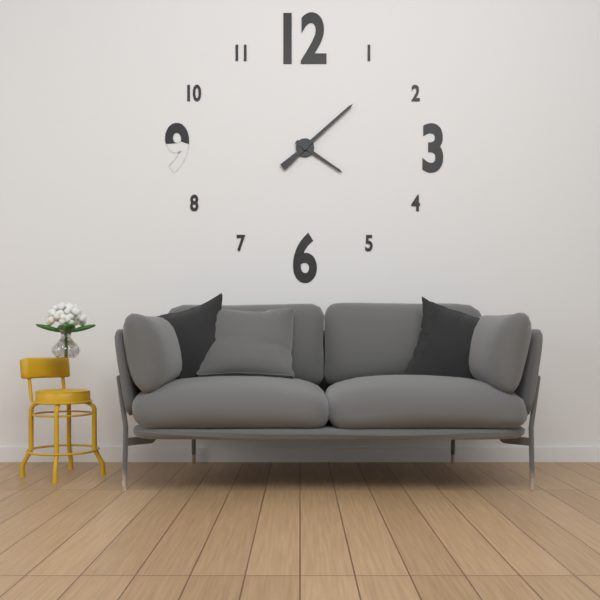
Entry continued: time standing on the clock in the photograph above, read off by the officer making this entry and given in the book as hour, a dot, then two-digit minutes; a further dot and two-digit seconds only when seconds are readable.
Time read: 4.08
